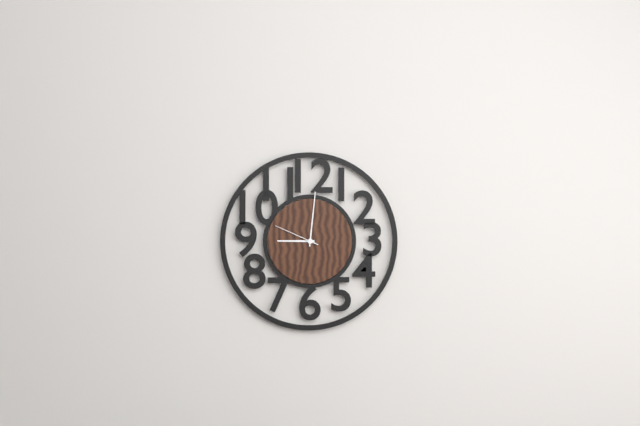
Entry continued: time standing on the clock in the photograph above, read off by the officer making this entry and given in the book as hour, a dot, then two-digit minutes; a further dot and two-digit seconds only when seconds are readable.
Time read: 9.01
